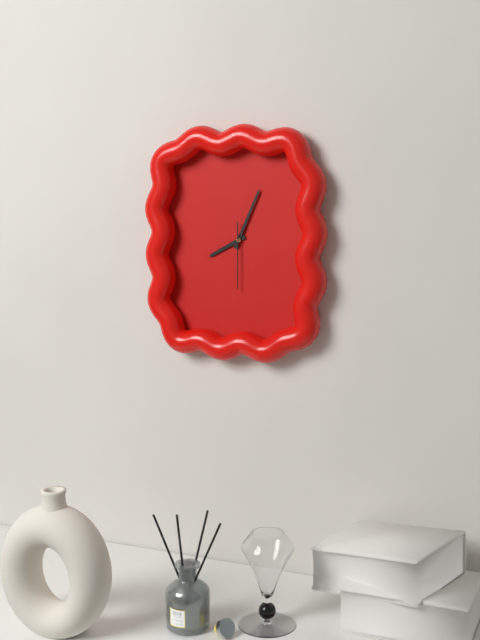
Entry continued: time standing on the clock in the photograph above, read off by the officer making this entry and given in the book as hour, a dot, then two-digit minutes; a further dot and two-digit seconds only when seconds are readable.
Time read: 8.04.30
